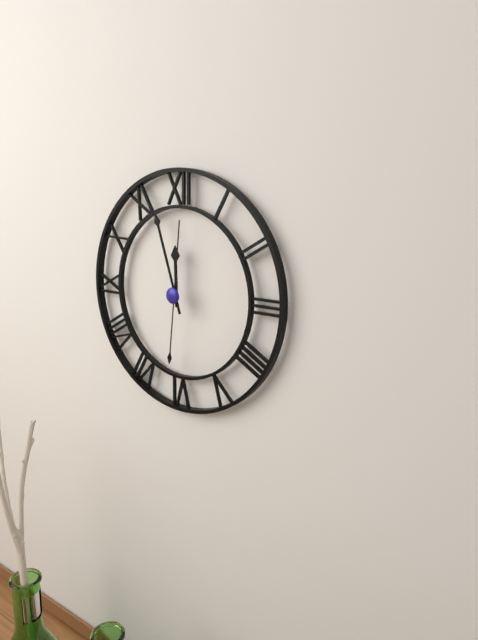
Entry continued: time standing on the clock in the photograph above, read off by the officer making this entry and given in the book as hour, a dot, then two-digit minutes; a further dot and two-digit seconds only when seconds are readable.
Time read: 11.57.01
